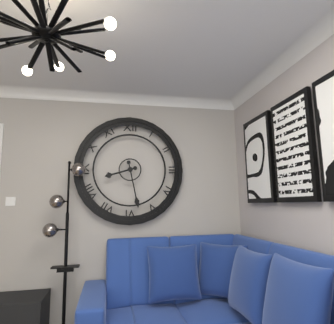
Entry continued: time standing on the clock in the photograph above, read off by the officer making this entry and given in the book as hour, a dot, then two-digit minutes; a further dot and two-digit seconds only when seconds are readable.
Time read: 8.28
